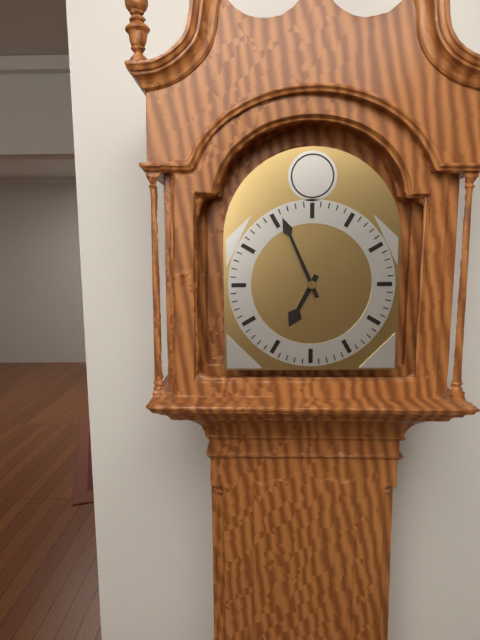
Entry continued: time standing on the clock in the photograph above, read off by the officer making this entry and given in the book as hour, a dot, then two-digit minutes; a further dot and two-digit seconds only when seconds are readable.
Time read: 6.56
